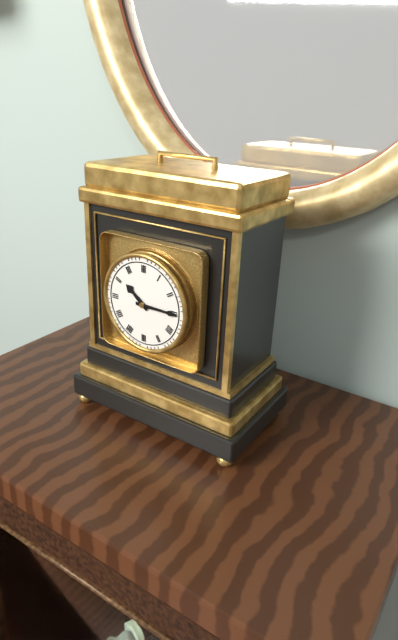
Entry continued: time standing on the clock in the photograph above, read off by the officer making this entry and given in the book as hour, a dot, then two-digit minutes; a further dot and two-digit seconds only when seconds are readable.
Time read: 10.15
